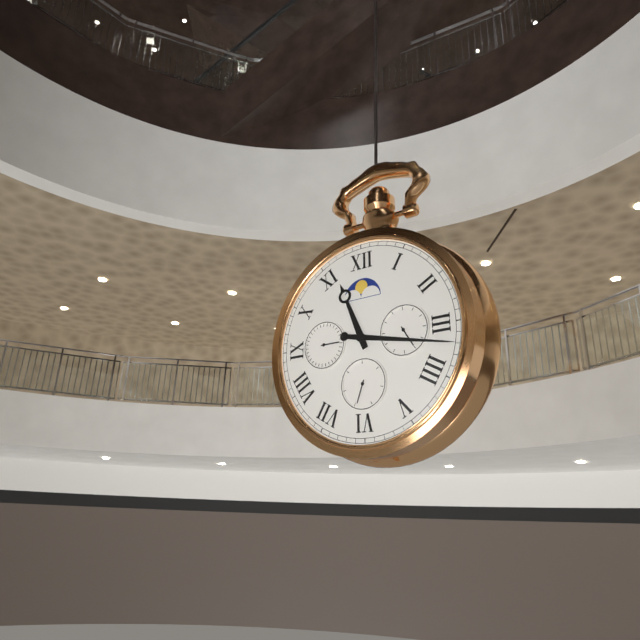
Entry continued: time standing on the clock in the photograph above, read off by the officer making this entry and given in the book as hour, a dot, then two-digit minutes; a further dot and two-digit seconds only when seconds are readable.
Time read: 11.17
